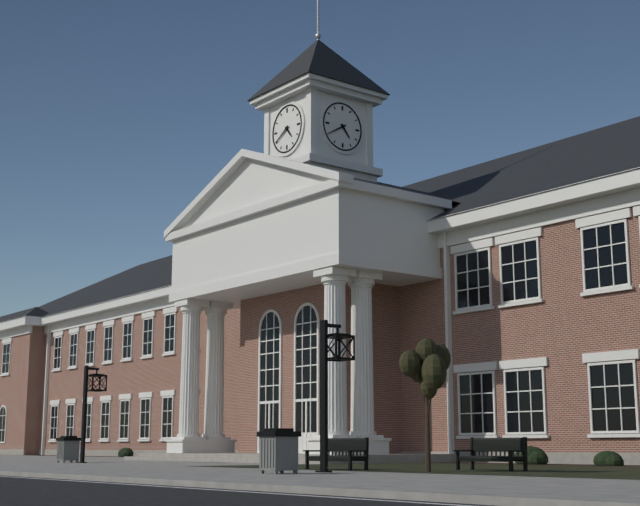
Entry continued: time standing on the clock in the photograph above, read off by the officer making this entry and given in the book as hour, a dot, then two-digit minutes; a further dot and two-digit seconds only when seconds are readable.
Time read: 4.40
